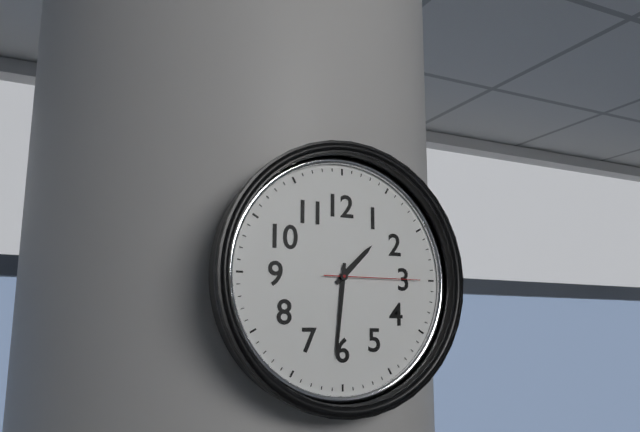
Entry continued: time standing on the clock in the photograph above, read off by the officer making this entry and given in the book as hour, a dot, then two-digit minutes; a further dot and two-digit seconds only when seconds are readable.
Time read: 1.31.15
